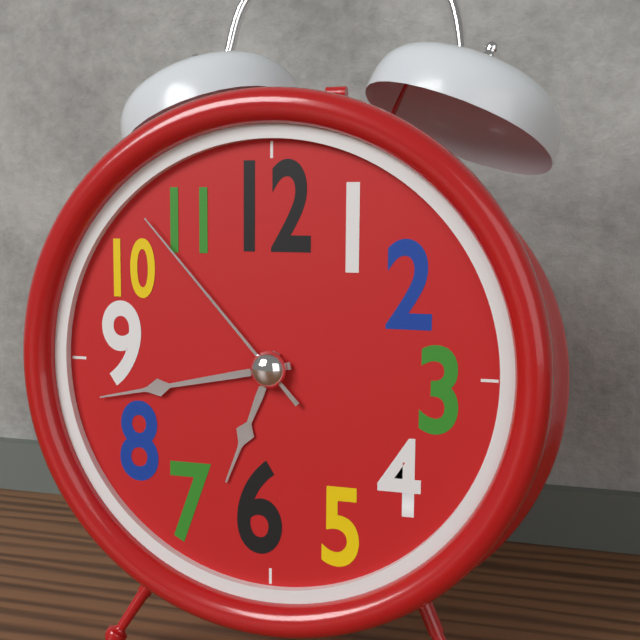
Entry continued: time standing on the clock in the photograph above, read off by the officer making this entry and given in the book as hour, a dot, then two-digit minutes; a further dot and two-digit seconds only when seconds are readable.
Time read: 6.43.53
